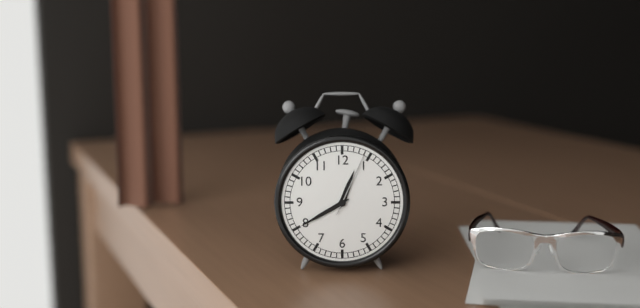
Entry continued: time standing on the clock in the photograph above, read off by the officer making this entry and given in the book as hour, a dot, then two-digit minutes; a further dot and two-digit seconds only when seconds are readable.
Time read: 12.40.04
